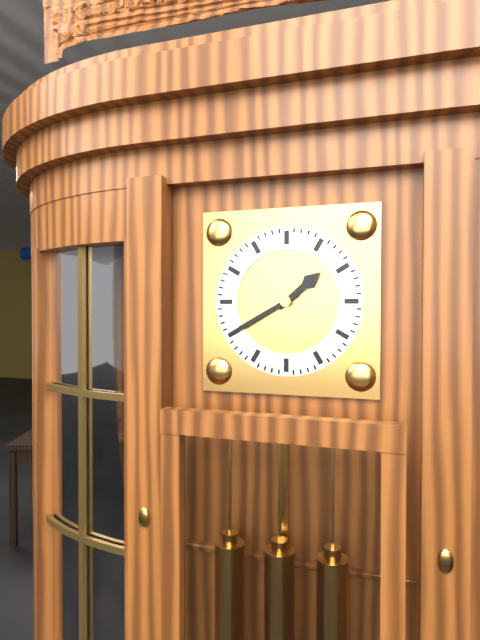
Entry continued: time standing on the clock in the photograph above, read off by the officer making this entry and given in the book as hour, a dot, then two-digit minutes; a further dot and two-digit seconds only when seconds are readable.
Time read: 1.40
